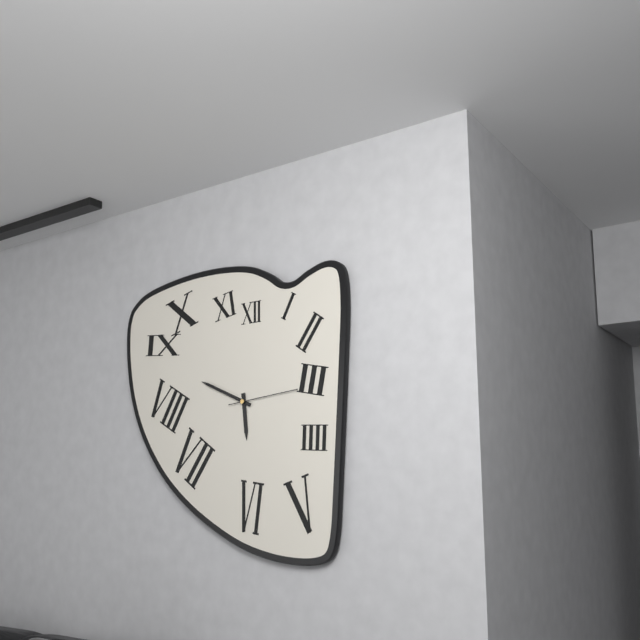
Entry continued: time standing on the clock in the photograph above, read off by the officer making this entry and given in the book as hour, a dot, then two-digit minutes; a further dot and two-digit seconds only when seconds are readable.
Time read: 5.49.14
